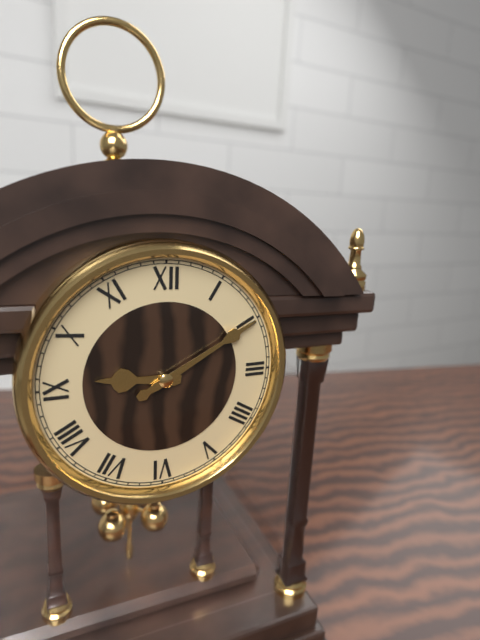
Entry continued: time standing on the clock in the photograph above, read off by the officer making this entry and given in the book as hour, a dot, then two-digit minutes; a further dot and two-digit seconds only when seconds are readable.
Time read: 9.10
